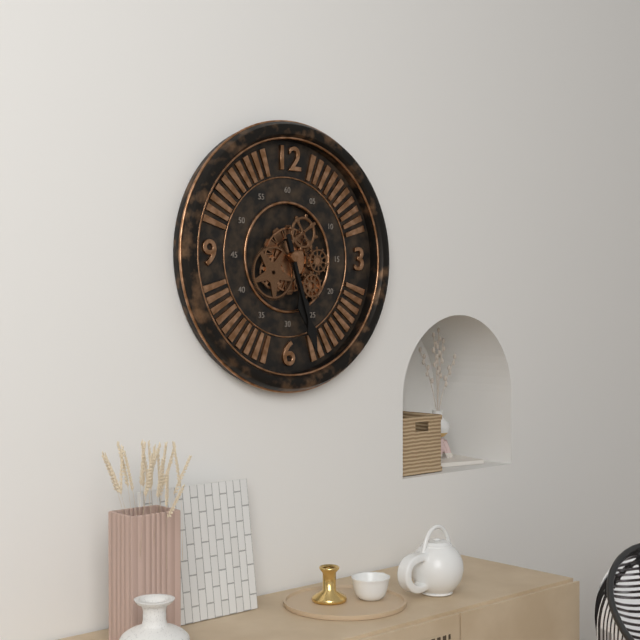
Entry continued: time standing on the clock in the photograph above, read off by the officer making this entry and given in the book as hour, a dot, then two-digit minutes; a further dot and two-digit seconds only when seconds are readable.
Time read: 5.27
